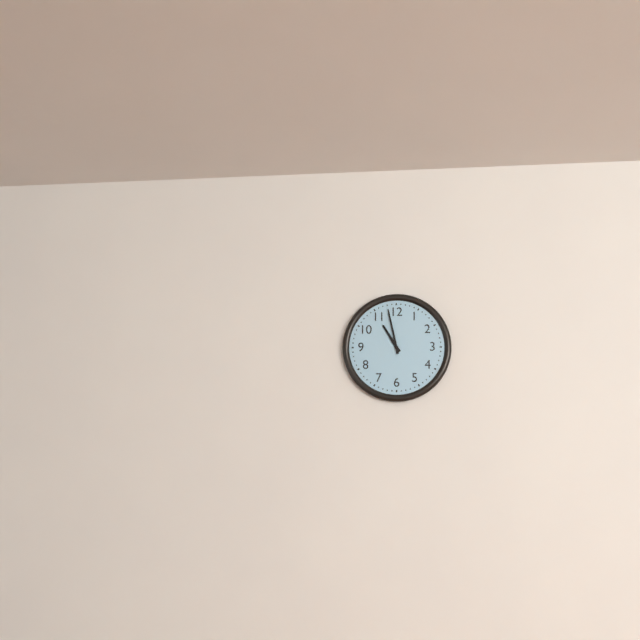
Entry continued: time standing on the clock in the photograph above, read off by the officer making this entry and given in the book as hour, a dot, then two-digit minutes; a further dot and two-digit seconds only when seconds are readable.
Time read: 10.58
